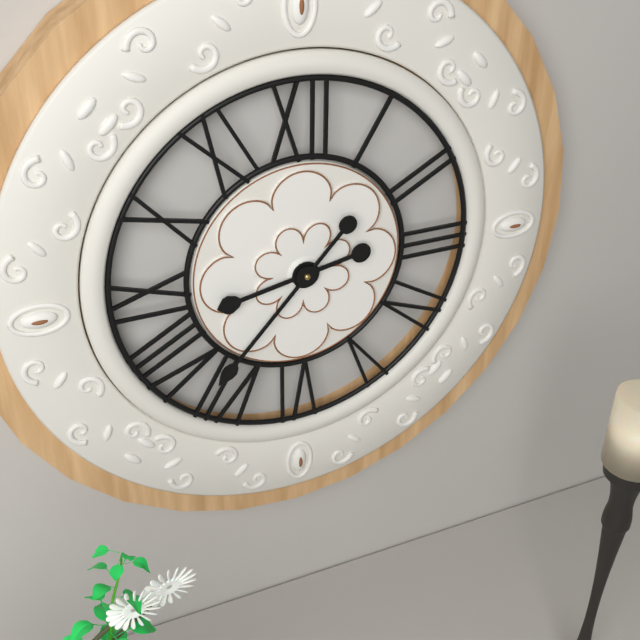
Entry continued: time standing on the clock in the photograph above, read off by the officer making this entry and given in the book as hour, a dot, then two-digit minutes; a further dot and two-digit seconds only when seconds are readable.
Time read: 8.37
